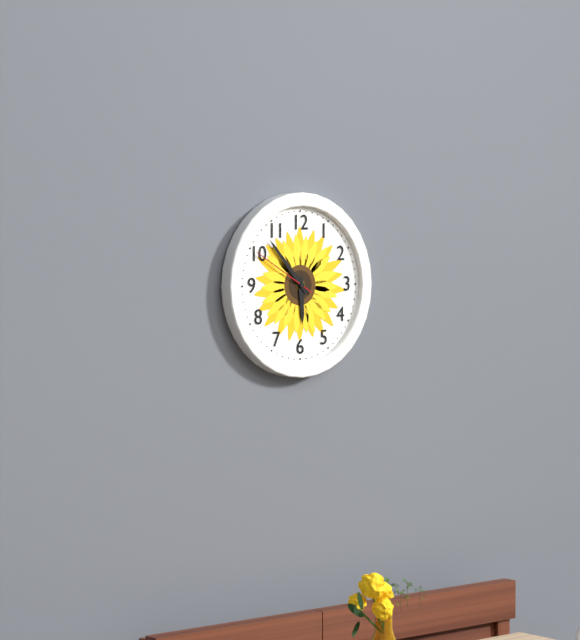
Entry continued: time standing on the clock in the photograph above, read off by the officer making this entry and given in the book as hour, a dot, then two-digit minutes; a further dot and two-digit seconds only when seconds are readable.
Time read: 5.53.50
